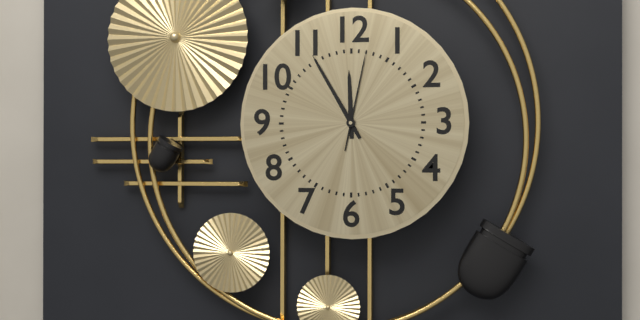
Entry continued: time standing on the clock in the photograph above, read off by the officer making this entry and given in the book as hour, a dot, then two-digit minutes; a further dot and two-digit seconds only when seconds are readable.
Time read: 11.55.02
